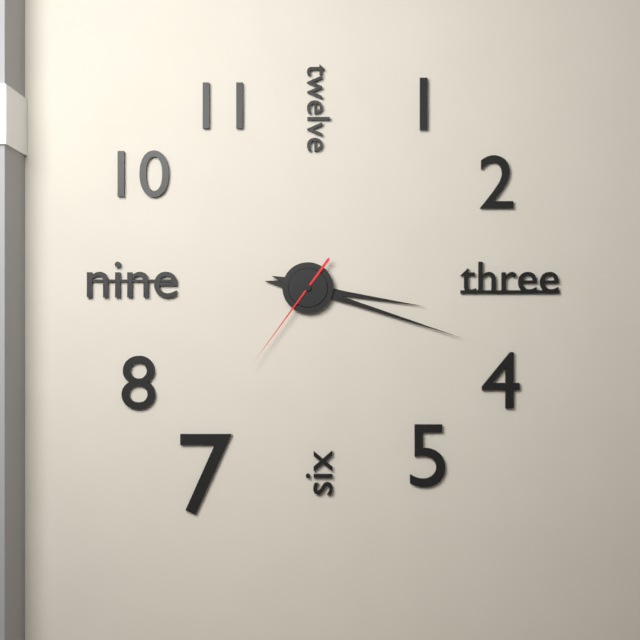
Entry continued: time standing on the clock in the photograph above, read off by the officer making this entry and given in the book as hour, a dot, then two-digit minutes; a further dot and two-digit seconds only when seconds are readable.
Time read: 3.18.36
